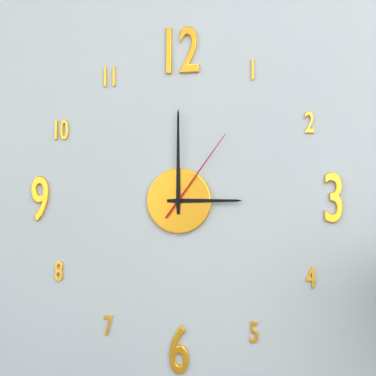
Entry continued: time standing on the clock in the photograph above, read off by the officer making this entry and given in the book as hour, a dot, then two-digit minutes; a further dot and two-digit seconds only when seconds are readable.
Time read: 3.00.06
